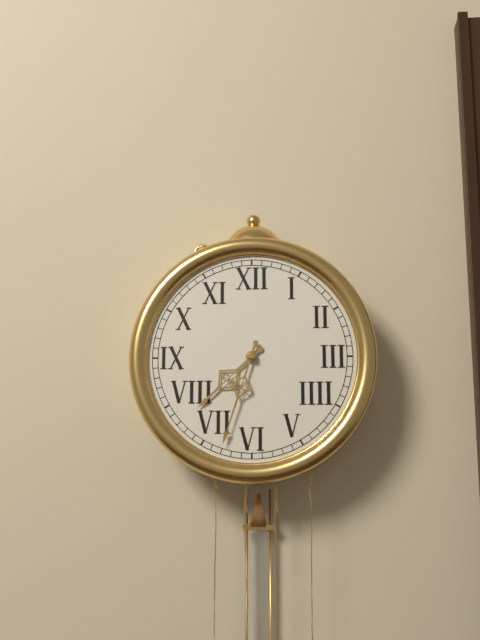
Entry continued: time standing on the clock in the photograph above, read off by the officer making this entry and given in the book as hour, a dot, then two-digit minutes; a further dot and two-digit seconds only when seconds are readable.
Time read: 7.33
